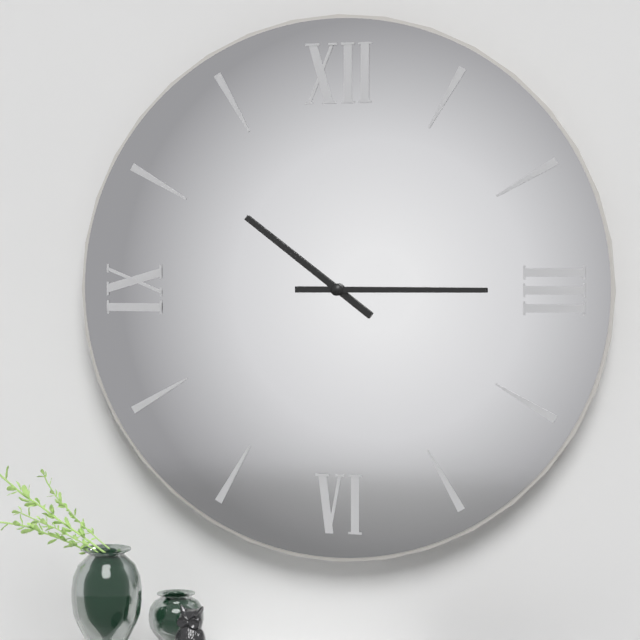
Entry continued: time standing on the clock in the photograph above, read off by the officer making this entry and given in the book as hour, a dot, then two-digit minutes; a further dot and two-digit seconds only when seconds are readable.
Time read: 10.15
